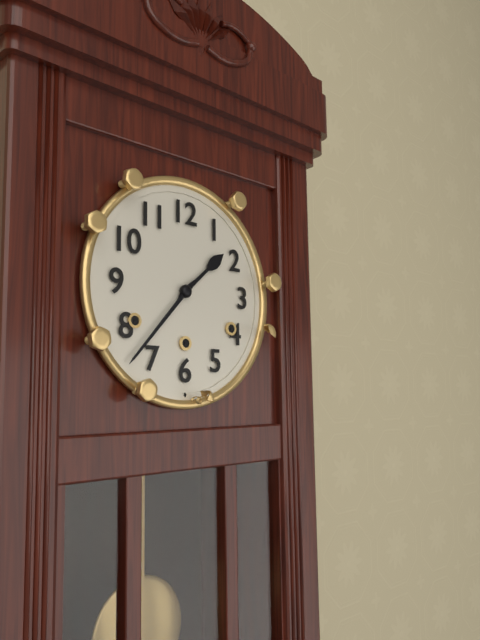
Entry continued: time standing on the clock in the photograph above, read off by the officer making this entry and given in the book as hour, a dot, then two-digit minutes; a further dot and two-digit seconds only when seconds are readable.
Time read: 1.37
